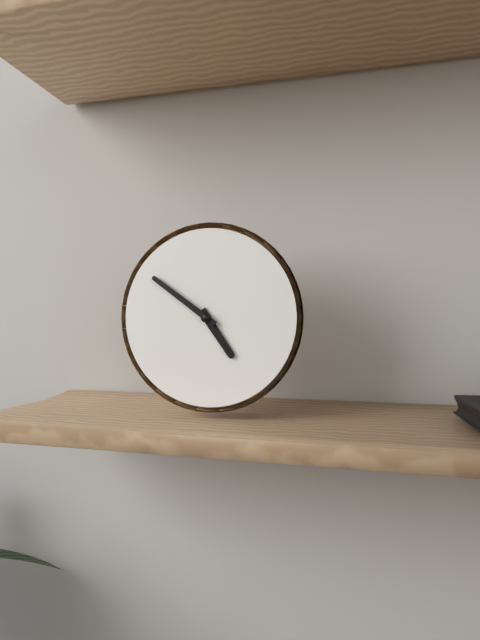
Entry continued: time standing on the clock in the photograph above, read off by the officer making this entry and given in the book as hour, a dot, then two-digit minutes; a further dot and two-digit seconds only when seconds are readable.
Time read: 4.51
